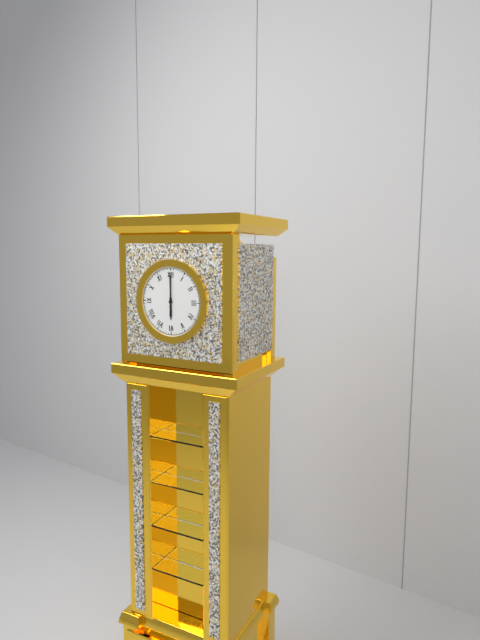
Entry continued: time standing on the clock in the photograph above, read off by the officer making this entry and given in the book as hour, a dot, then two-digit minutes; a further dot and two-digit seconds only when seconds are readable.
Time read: 6.00
